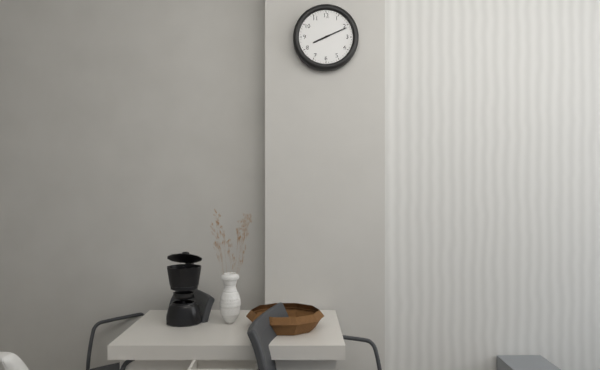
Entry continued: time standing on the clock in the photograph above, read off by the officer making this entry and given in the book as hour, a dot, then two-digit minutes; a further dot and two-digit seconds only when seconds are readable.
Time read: 8.11
